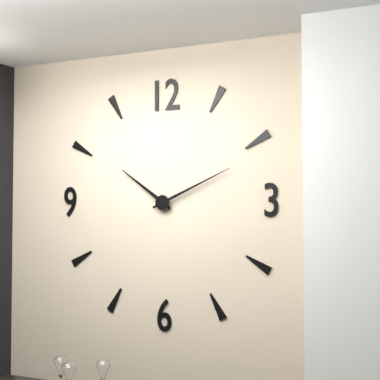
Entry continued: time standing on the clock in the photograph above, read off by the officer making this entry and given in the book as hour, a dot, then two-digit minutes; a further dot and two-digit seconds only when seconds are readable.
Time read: 10.11
